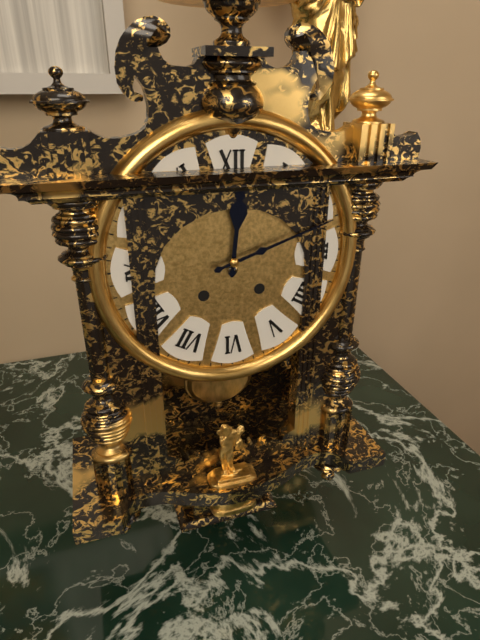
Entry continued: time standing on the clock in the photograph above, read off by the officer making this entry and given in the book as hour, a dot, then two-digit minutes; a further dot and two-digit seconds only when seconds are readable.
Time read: 12.12
